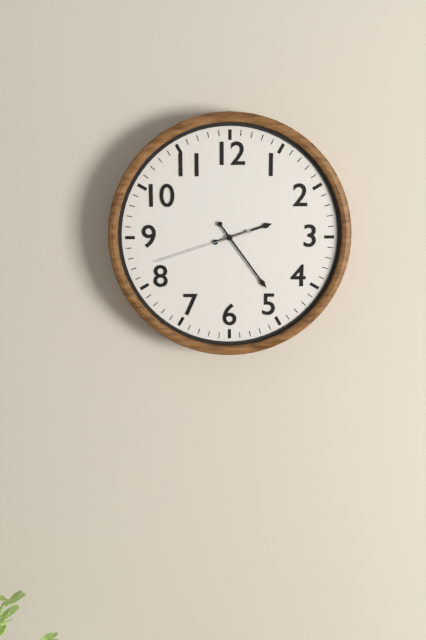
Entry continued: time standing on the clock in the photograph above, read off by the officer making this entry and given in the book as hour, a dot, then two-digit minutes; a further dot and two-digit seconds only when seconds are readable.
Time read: 2.24.42
